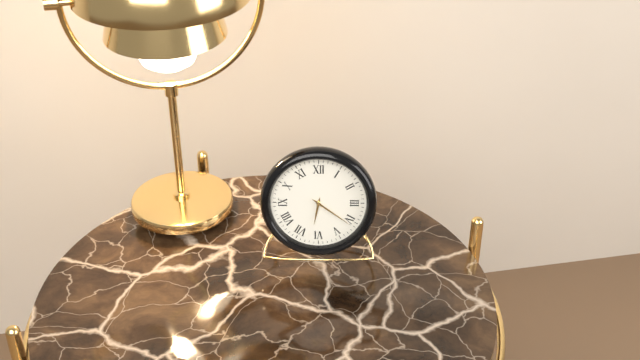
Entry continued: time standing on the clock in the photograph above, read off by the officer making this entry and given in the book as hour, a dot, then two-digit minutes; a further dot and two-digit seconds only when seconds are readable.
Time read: 6.21
